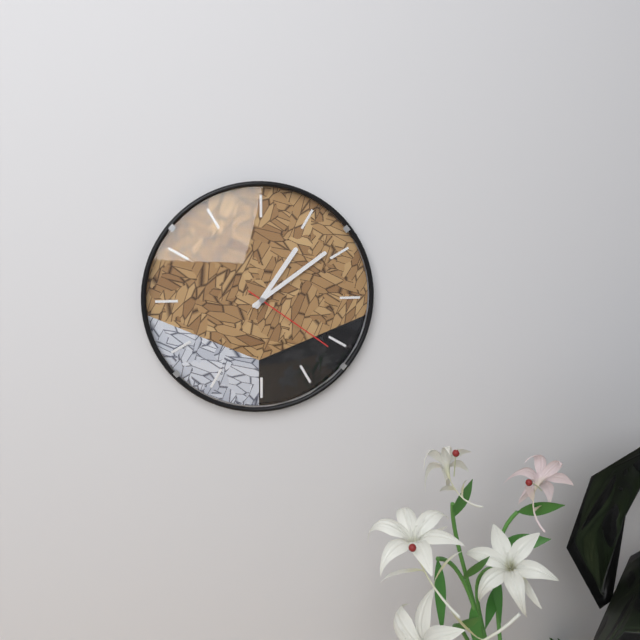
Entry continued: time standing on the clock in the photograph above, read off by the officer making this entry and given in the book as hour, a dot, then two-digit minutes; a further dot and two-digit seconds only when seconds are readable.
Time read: 1.09.21
